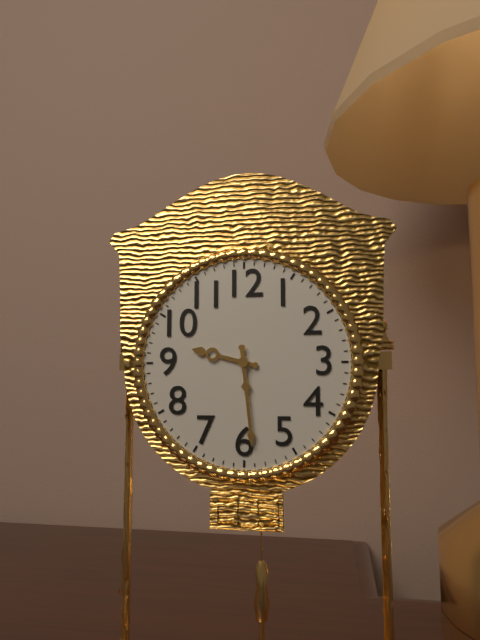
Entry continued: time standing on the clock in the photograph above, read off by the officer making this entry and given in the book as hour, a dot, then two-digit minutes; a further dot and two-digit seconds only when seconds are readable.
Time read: 9.29
